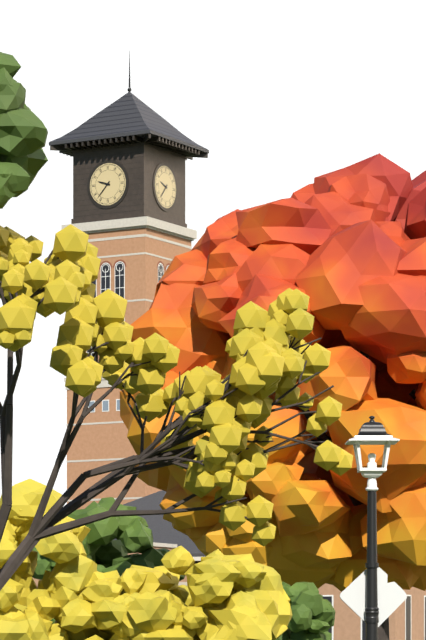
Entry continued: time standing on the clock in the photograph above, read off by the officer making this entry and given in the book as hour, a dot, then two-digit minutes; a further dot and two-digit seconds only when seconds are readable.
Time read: 9.37
